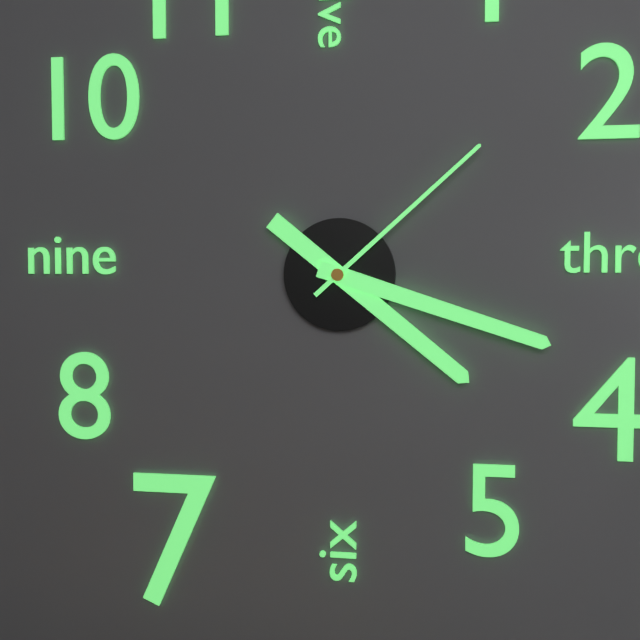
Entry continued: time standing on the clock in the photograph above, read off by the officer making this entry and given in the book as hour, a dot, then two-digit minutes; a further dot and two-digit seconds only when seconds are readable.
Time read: 4.18.08
